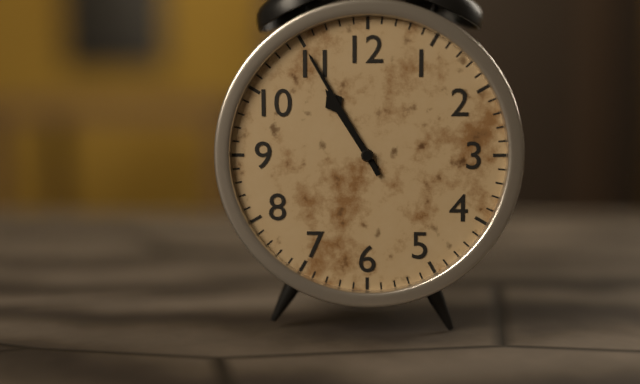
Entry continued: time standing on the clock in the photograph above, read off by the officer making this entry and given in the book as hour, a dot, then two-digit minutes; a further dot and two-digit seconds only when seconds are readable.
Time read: 10.55
